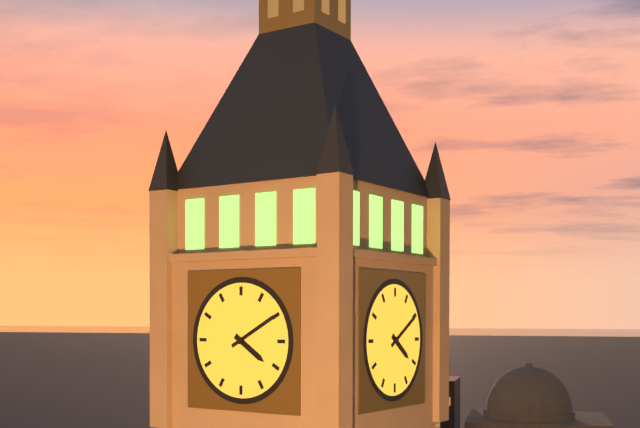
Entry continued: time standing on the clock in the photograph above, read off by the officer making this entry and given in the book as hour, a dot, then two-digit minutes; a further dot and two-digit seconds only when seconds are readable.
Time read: 4.10
